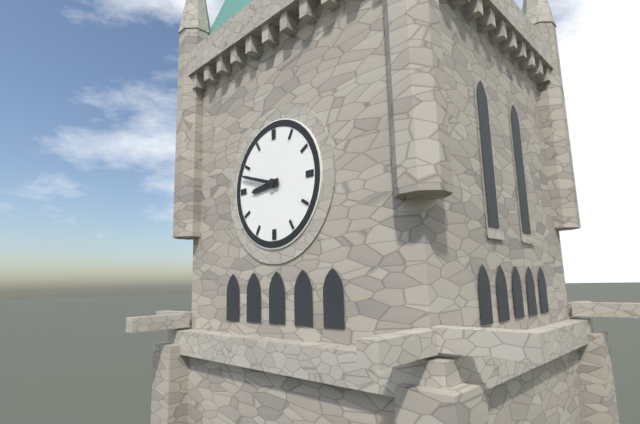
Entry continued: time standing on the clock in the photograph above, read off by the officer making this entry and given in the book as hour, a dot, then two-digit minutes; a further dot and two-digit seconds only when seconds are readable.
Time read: 8.48
